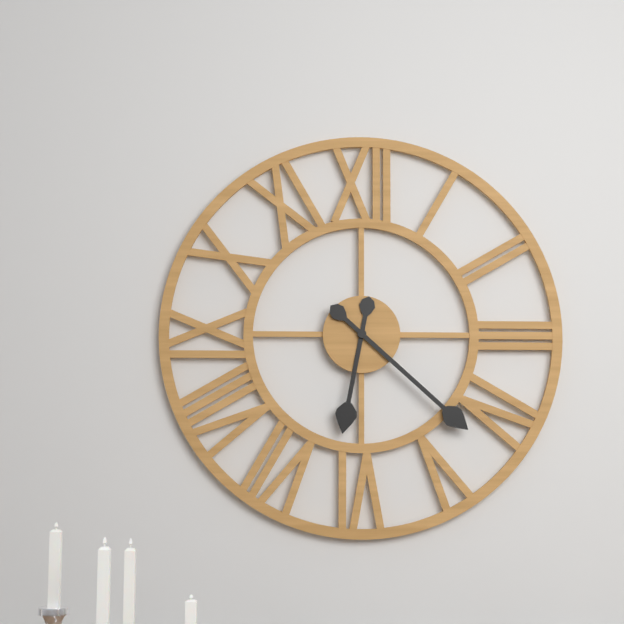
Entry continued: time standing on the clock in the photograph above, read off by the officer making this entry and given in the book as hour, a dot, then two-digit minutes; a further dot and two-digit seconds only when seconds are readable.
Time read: 6.22
